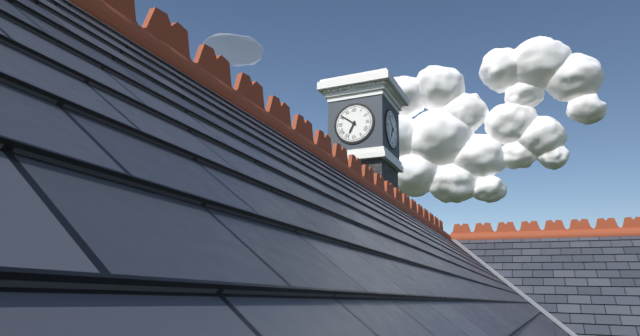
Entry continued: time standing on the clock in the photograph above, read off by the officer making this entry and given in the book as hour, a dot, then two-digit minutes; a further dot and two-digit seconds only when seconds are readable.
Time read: 6.51
